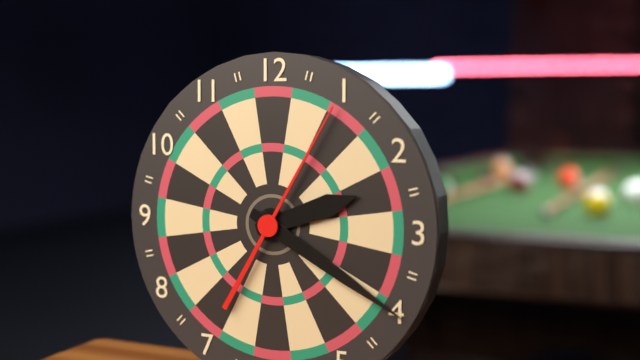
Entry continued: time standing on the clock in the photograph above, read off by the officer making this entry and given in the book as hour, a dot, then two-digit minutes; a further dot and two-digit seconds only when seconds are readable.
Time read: 2.20.05
